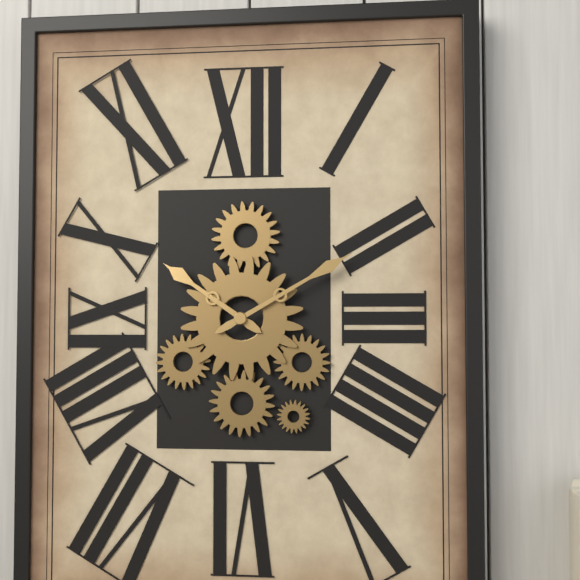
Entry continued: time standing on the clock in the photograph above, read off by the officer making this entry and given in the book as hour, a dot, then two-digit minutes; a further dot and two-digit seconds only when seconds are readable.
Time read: 10.10
